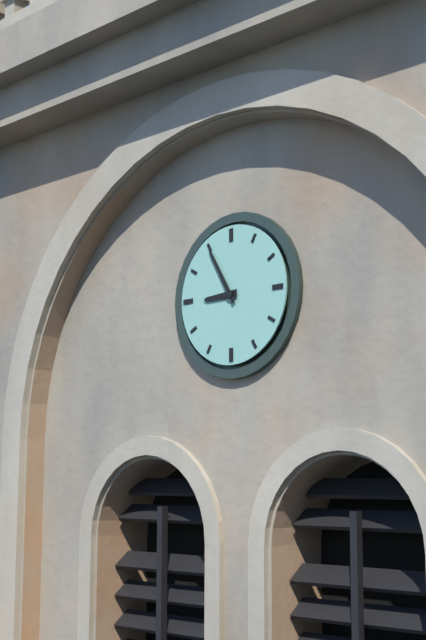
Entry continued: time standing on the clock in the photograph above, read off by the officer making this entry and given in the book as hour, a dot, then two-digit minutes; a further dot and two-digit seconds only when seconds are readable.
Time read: 8.55
